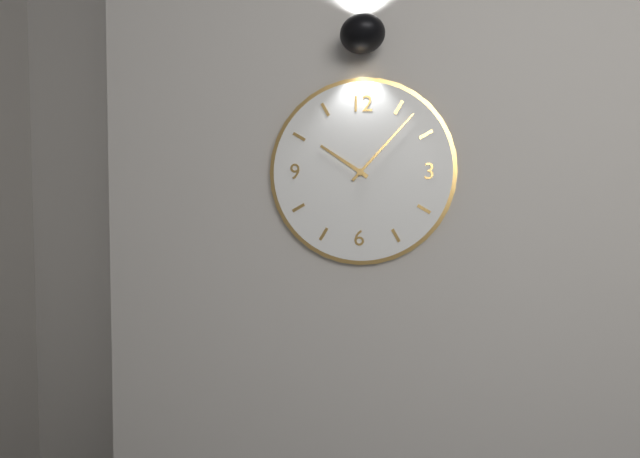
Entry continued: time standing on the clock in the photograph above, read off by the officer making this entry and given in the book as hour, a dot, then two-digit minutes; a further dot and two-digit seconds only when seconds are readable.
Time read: 10.07
